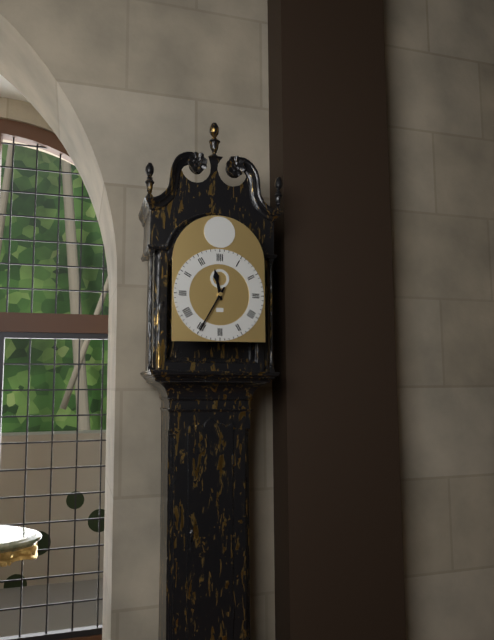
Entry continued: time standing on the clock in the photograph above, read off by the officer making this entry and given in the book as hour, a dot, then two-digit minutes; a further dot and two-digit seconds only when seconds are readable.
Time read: 11.35
